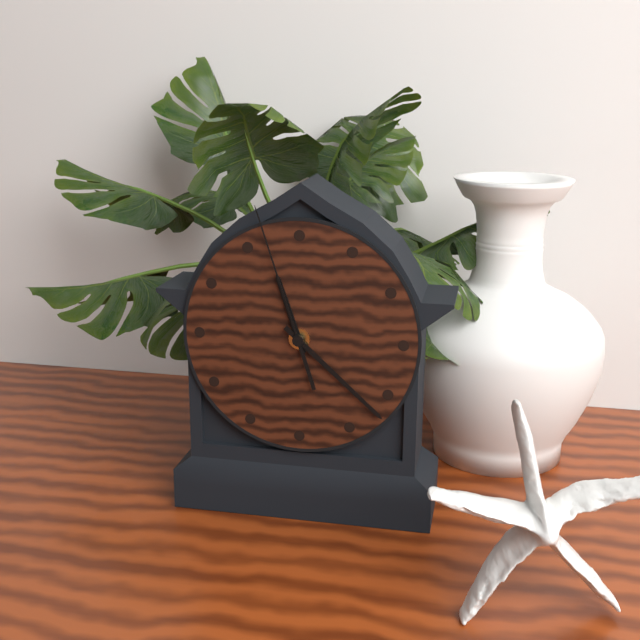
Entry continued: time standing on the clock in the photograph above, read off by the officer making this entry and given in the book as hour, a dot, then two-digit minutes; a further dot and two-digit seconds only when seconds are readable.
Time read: 11.22.57
